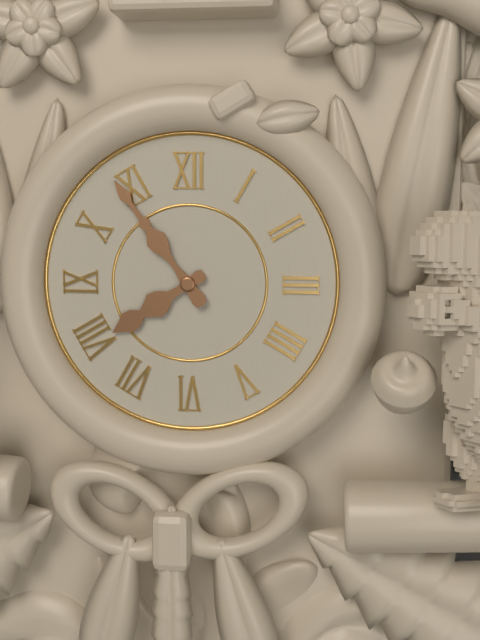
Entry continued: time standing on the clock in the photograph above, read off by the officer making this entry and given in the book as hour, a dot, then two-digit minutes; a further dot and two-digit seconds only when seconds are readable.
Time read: 7.54
